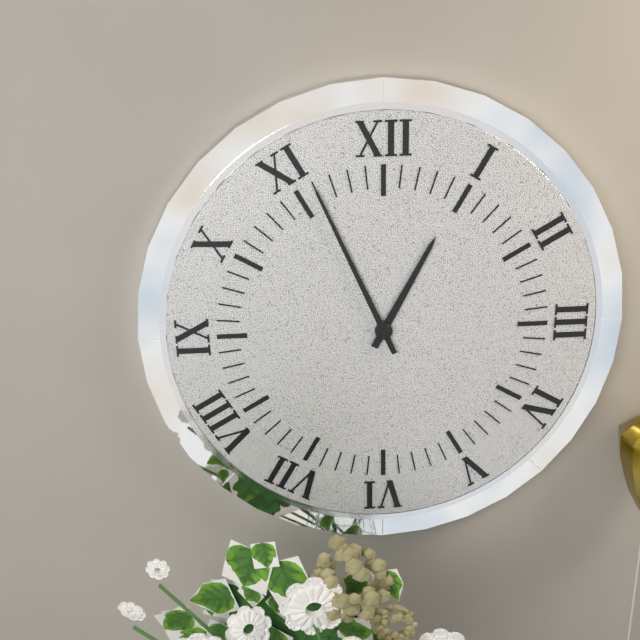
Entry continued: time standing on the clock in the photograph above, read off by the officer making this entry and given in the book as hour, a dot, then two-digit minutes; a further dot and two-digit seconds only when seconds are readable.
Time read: 12.56
